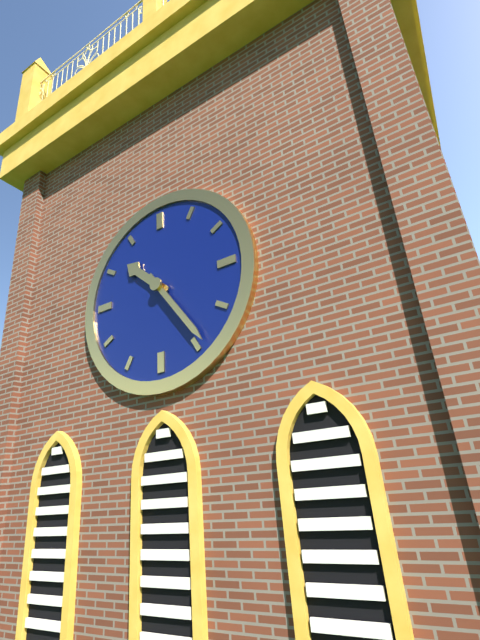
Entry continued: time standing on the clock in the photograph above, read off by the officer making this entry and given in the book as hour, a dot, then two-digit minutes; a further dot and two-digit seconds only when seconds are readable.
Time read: 10.24
